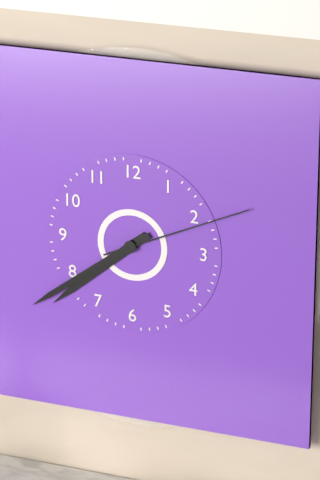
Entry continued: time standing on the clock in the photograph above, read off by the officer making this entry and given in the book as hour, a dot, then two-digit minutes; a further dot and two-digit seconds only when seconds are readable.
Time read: 7.39.11
